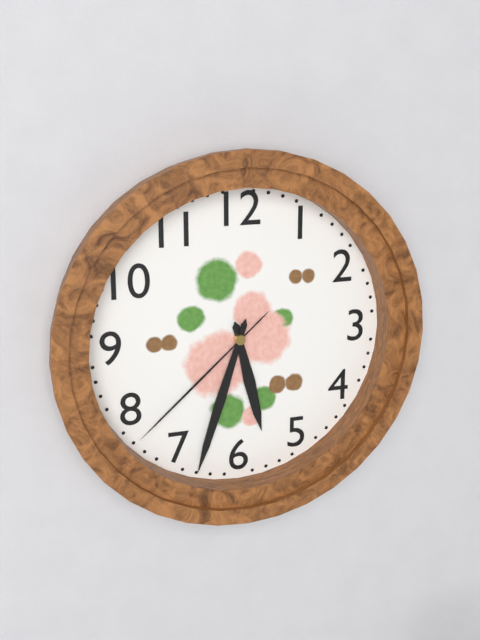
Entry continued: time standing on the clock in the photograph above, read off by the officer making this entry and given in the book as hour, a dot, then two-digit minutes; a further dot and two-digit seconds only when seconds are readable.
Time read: 5.33.38
